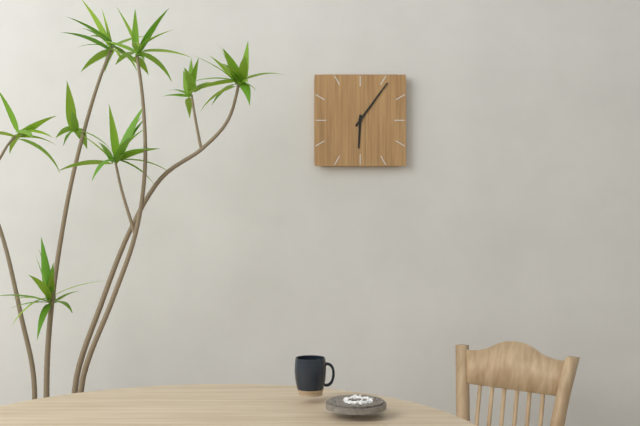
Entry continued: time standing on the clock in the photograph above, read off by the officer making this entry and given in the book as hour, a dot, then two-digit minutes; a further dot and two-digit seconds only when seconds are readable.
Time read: 6.06
